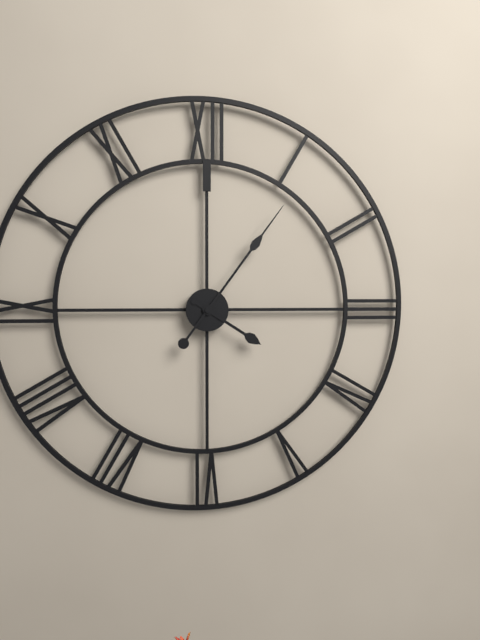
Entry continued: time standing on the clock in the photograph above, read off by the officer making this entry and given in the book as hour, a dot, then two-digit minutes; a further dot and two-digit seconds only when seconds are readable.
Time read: 4.06
